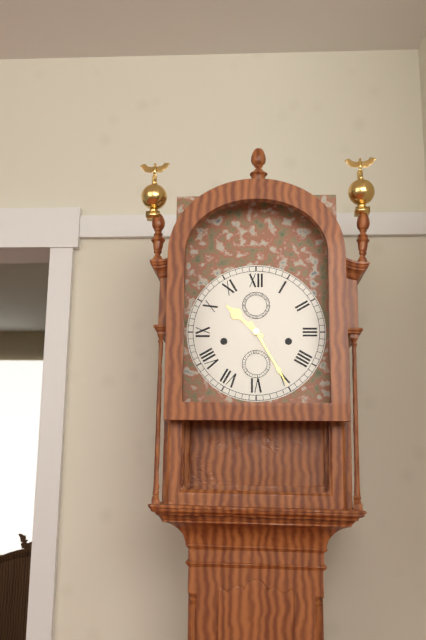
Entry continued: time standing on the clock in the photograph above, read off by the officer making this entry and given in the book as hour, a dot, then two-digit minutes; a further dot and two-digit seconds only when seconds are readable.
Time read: 10.25
